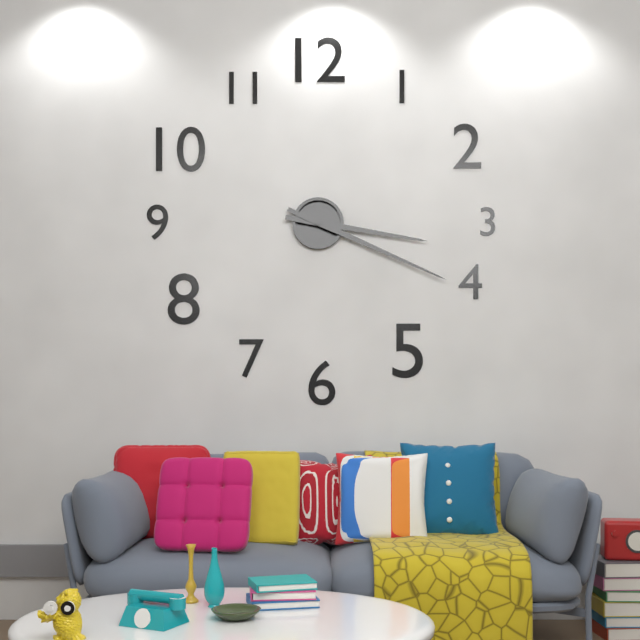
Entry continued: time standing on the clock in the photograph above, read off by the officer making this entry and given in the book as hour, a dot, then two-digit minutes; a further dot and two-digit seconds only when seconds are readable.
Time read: 3.19
